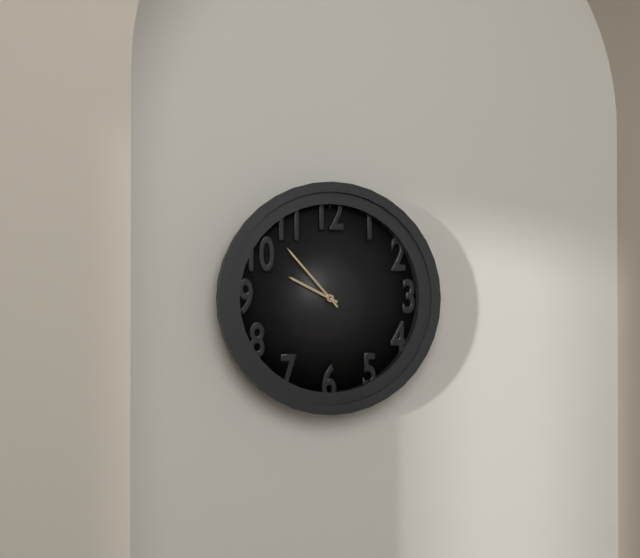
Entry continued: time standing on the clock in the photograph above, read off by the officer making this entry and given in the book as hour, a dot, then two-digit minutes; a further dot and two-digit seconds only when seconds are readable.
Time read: 9.53
